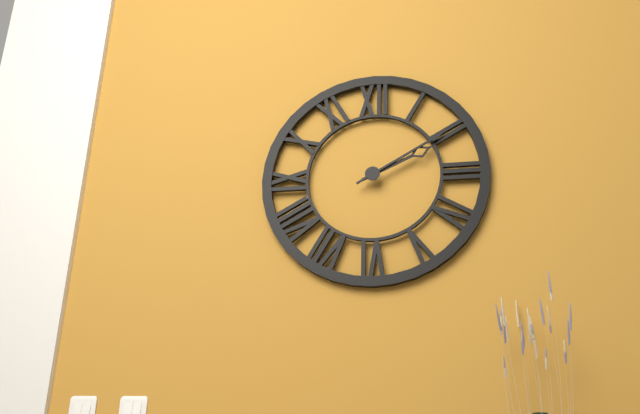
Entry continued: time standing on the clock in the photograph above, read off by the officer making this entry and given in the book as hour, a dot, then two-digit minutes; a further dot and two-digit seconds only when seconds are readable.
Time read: 2.10
